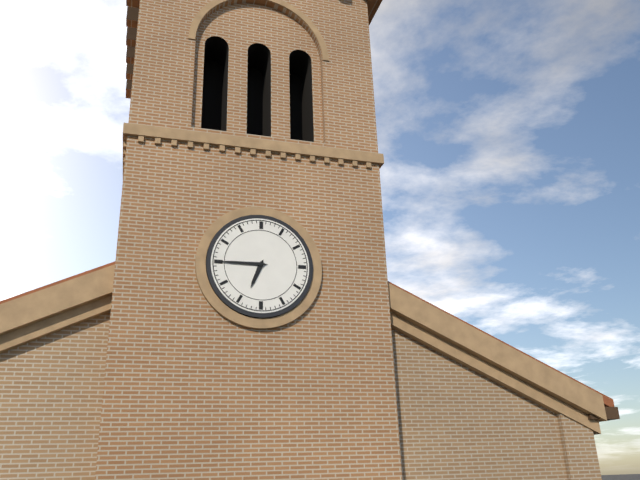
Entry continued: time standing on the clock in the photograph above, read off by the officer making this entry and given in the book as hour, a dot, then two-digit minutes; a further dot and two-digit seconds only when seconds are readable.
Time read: 6.45
